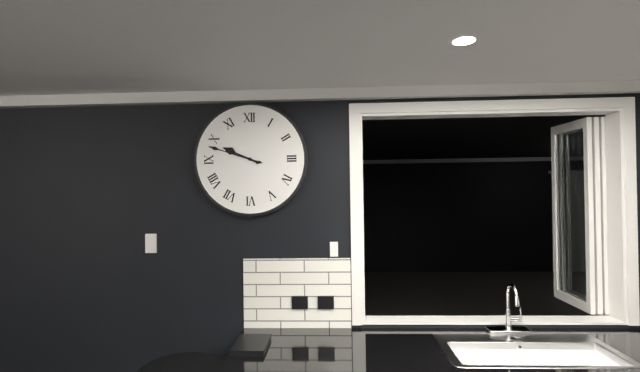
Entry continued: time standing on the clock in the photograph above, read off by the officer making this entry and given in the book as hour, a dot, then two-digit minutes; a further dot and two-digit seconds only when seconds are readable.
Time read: 9.48
